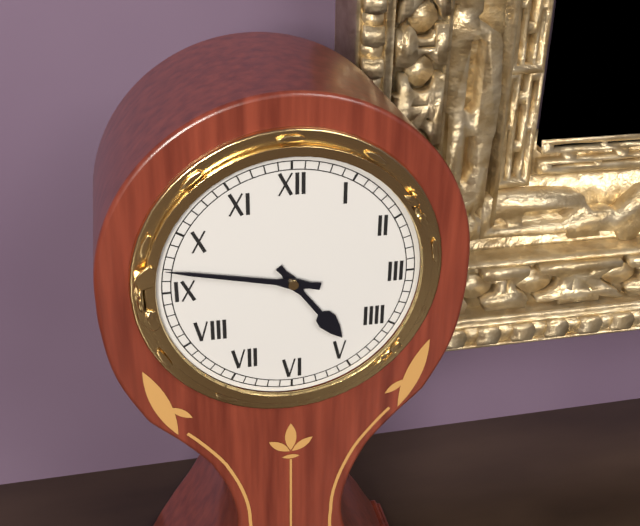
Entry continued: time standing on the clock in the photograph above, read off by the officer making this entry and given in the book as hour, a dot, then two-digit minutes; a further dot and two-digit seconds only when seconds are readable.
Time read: 4.47
